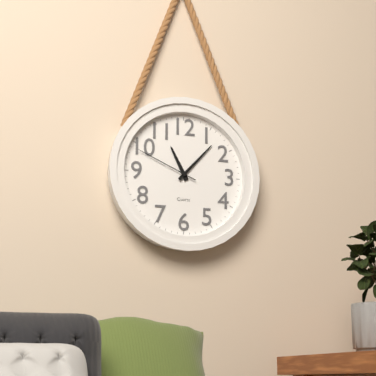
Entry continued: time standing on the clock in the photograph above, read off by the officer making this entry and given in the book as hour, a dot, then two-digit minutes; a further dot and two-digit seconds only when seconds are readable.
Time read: 11.07.49
